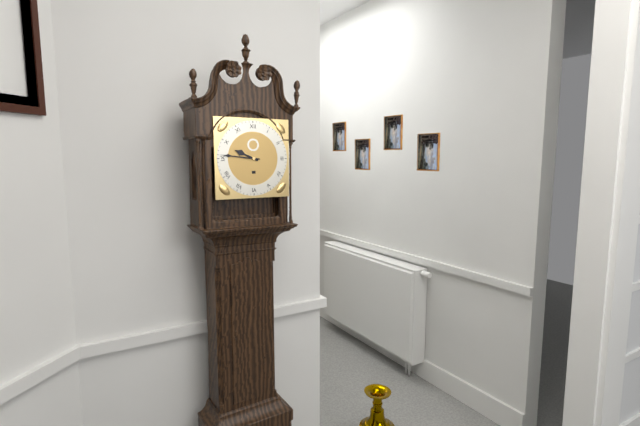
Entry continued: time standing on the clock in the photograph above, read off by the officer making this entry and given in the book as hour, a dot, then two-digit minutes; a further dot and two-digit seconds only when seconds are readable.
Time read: 9.46
